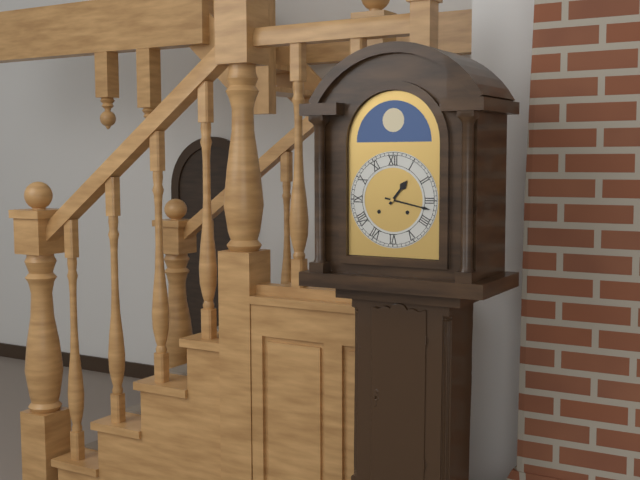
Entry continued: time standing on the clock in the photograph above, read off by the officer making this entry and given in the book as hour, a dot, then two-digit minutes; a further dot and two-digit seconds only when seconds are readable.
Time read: 1.17
